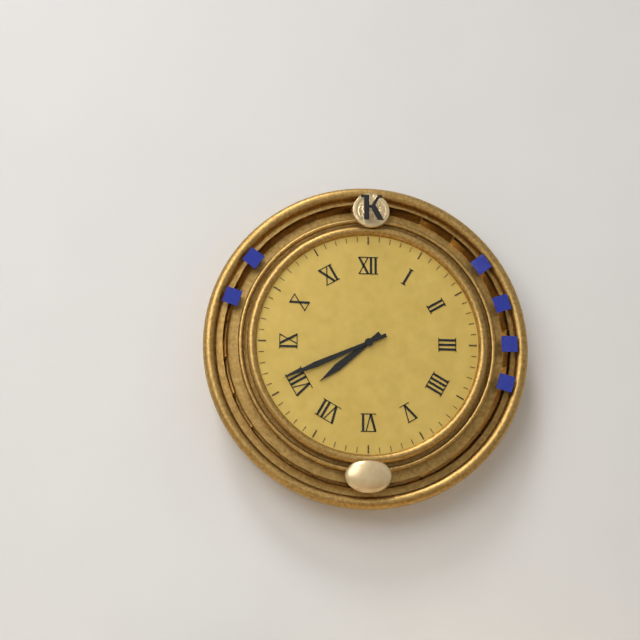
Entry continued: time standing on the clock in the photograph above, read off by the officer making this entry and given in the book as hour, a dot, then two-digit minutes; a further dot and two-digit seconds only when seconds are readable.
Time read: 7.41
